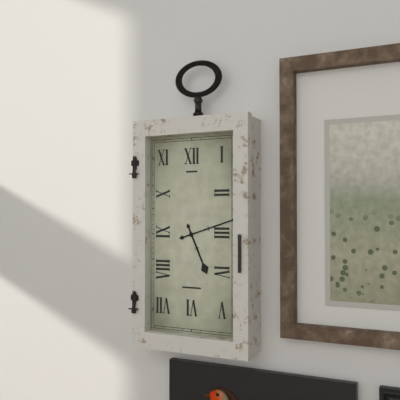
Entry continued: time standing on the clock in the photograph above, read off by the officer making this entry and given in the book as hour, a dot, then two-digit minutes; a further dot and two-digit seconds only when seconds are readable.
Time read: 5.12
